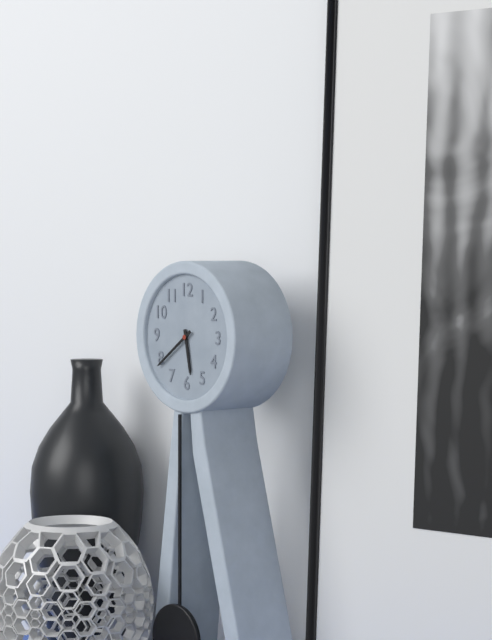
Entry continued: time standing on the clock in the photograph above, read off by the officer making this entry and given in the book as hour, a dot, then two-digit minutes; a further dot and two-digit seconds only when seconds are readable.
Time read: 5.39
